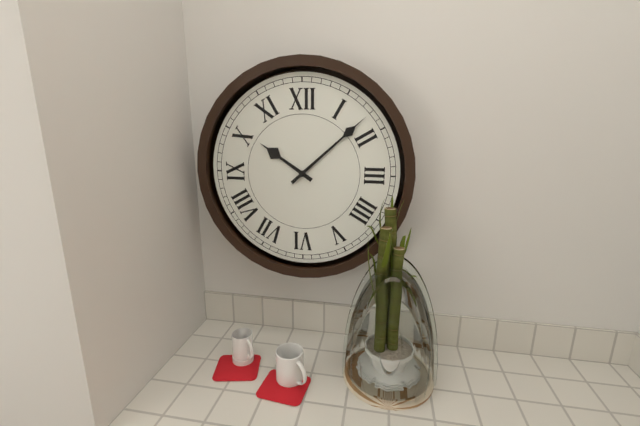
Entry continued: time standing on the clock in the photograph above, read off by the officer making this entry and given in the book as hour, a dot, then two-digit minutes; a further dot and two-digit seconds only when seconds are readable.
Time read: 10.08
